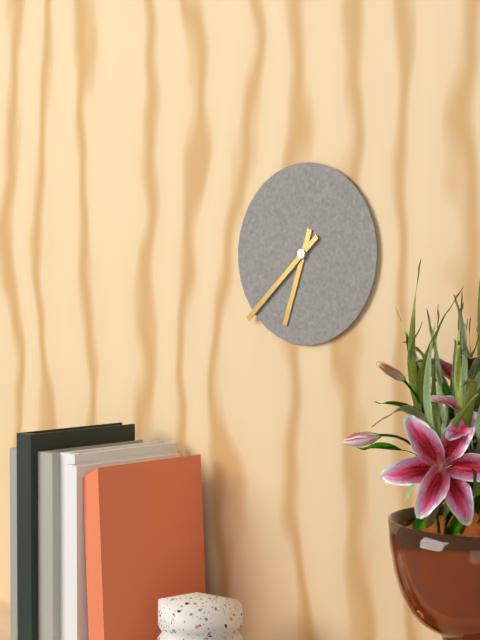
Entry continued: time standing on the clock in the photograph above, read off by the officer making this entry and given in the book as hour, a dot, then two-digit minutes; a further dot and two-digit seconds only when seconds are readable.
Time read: 6.38
